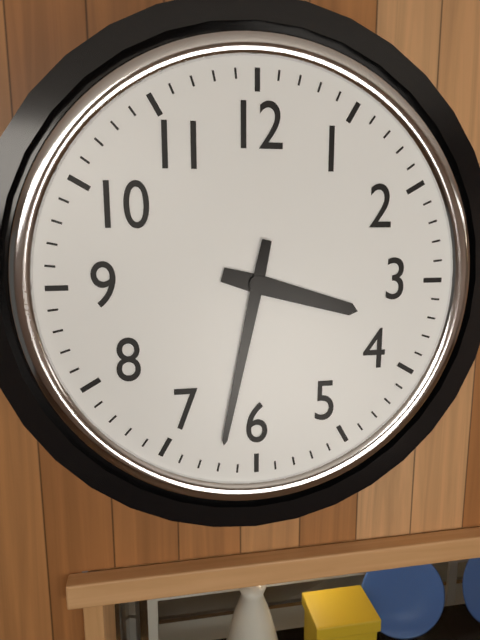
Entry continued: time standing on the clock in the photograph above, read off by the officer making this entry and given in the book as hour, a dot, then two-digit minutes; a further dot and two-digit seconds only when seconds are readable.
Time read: 3.32
